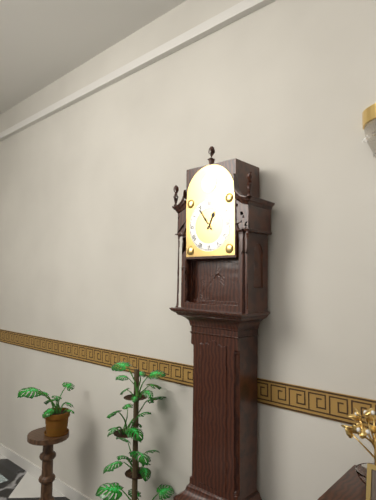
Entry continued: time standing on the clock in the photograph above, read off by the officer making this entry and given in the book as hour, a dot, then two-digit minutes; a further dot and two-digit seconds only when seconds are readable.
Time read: 12.54
